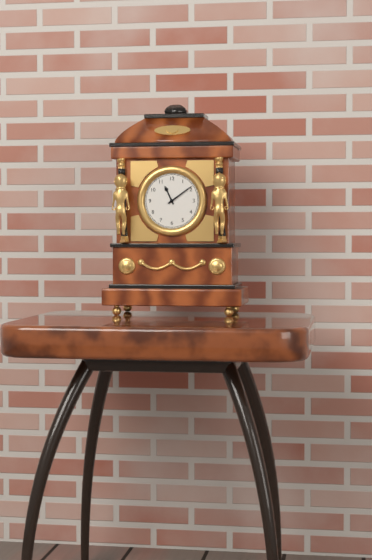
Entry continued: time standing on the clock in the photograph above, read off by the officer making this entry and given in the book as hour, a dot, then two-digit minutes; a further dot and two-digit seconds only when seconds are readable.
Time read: 11.09
